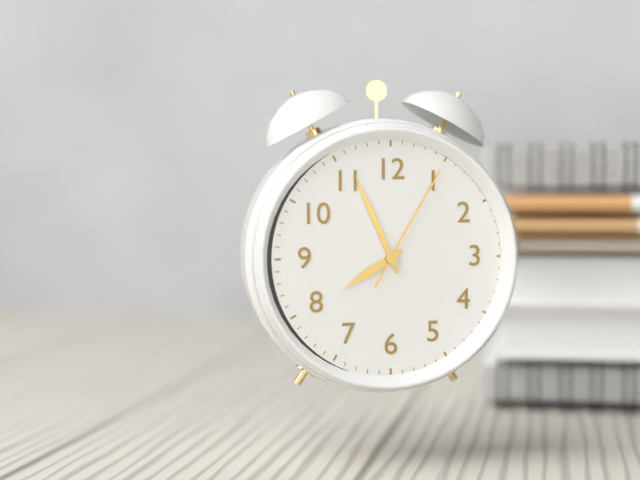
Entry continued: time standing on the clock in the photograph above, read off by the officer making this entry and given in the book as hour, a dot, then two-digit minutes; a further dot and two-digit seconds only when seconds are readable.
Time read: 7.56.05
